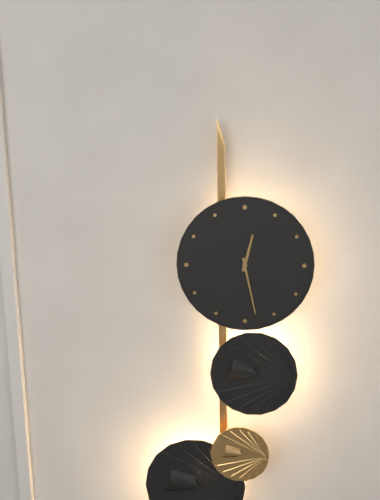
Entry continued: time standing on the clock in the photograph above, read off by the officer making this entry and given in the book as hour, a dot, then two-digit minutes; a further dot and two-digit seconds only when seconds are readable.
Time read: 12.28
